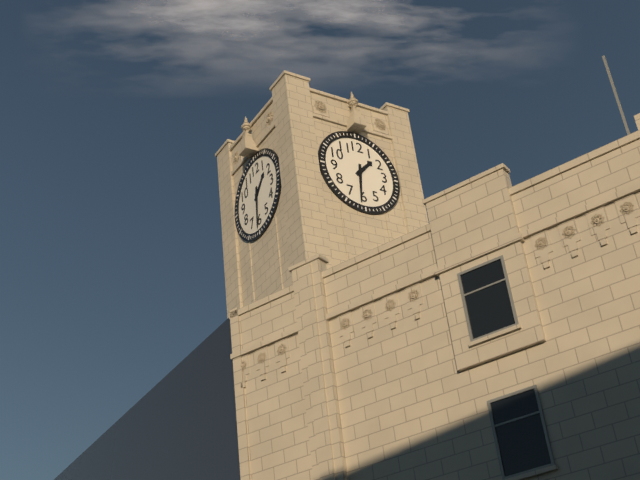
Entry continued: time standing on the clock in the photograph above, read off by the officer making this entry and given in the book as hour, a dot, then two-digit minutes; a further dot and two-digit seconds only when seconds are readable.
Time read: 1.31
